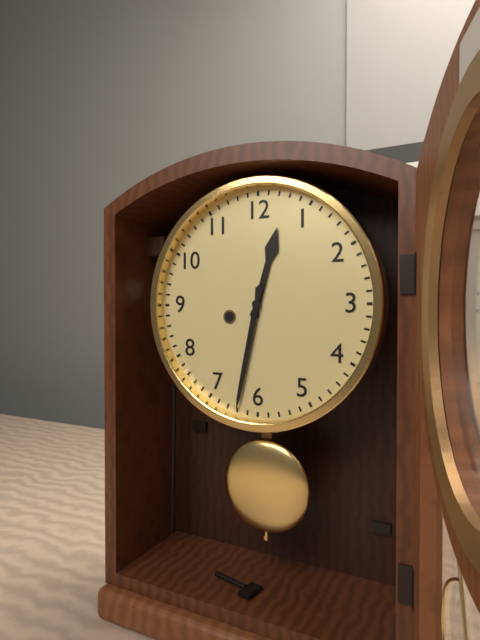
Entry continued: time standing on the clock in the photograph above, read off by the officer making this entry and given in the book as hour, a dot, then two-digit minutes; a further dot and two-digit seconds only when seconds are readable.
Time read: 12.32
